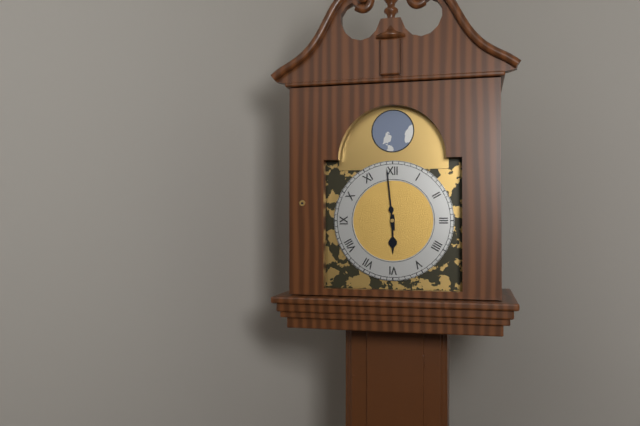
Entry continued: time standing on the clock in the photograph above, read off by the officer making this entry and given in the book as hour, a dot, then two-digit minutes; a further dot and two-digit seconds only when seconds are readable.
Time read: 5.59
